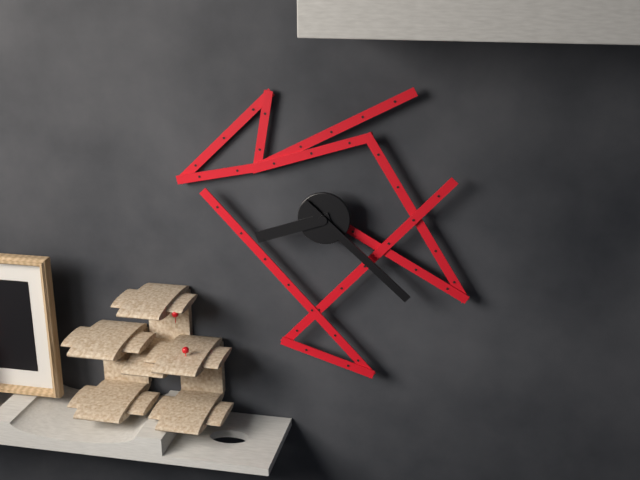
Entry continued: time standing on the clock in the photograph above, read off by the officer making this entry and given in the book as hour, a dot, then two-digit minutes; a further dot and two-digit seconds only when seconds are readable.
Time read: 8.22
